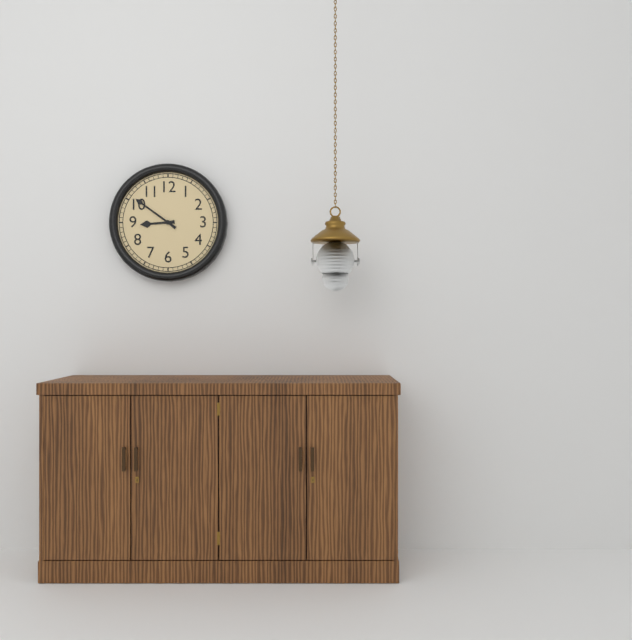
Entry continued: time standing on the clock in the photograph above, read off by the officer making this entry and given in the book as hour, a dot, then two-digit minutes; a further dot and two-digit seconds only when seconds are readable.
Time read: 8.51
